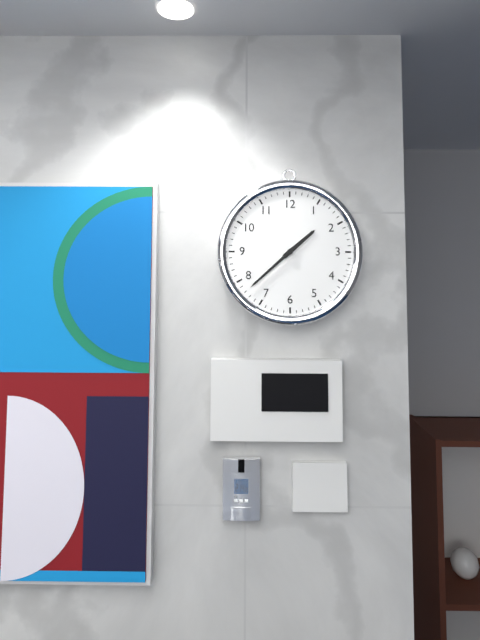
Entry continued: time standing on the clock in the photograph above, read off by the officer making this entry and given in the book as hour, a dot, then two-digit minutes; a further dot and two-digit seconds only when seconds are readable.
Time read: 1.38
